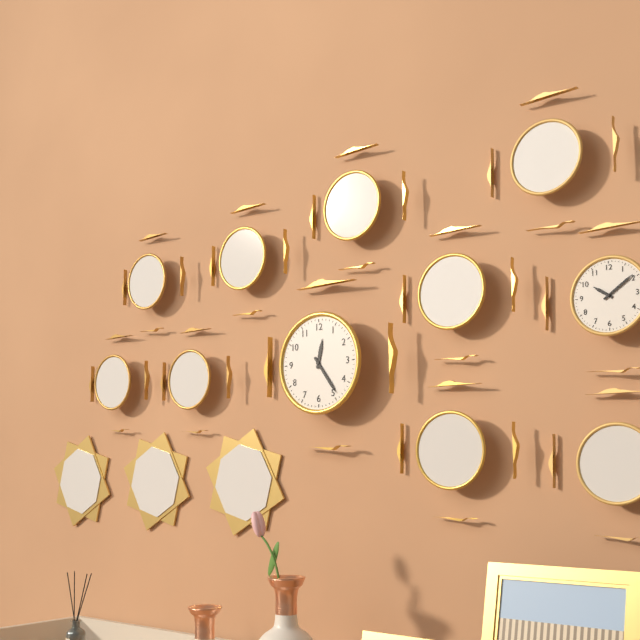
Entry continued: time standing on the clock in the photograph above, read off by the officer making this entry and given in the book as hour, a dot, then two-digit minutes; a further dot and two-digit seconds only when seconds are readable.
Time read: 12.24
